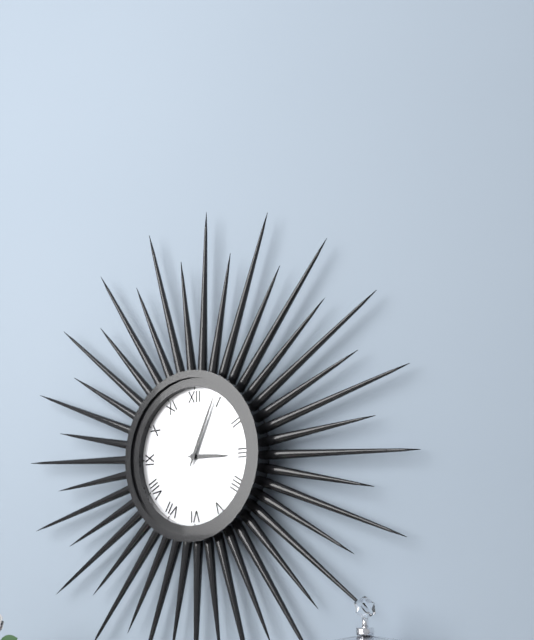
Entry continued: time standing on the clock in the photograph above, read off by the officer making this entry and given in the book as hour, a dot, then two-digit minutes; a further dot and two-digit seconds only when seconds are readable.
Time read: 3.04
